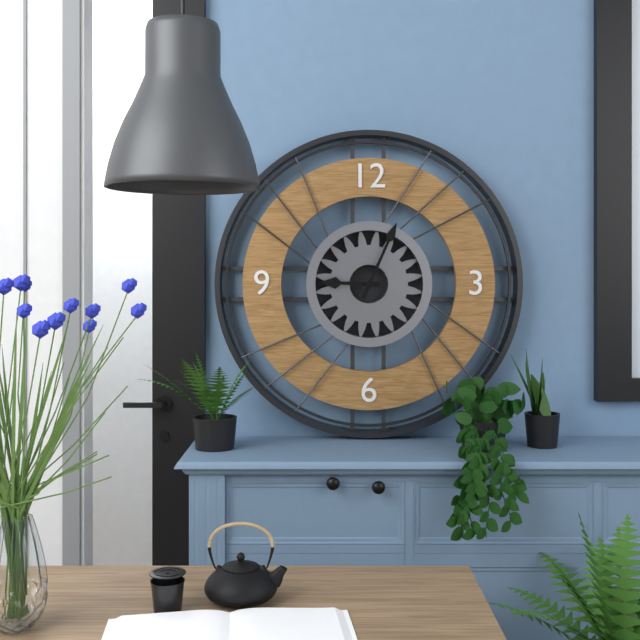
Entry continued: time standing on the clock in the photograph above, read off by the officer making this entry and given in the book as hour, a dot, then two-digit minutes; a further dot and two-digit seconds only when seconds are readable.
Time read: 9.04
